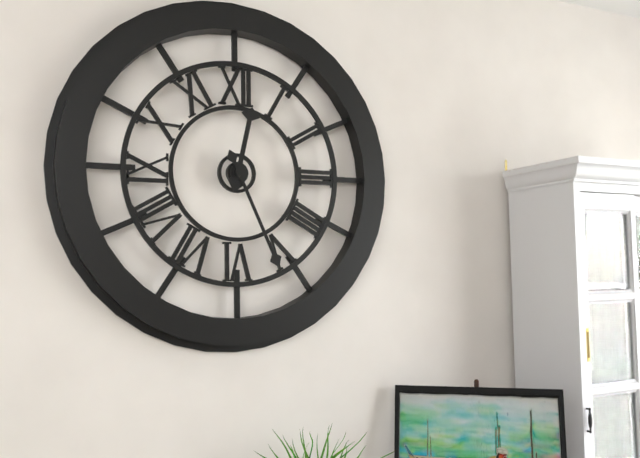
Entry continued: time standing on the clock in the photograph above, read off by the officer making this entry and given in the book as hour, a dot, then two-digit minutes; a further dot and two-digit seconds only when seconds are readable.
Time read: 12.26
